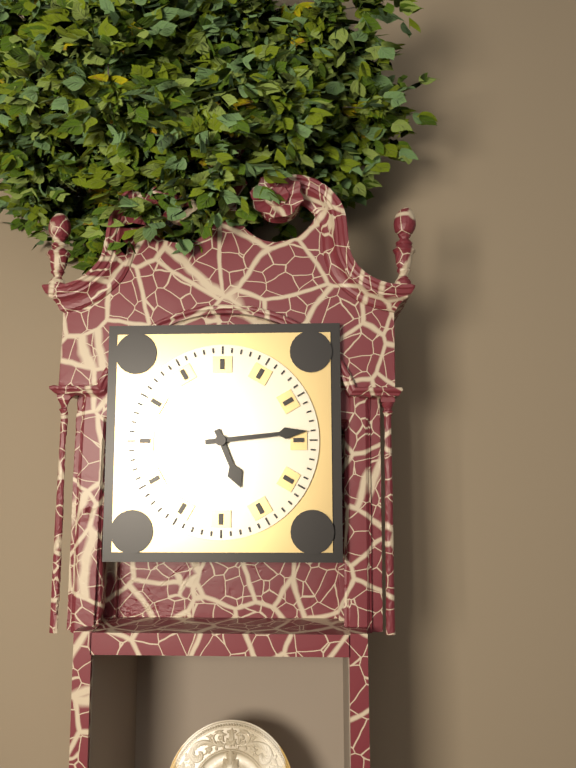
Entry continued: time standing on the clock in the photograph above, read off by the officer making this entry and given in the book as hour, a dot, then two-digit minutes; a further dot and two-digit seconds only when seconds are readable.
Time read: 5.14
